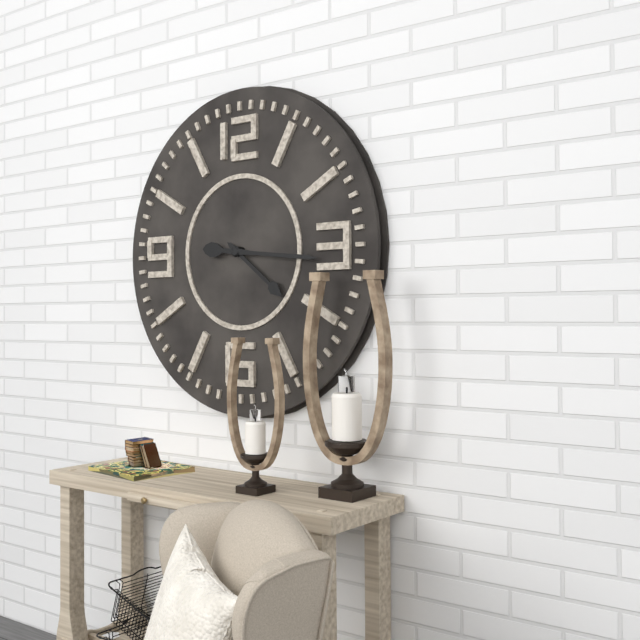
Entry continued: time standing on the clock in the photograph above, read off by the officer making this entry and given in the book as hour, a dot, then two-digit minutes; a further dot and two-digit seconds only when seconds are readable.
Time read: 4.16
